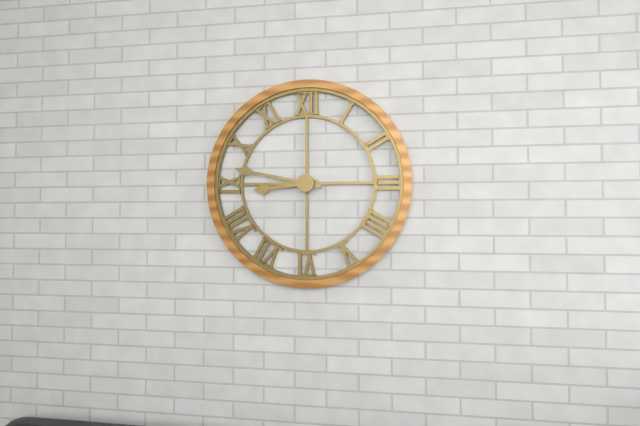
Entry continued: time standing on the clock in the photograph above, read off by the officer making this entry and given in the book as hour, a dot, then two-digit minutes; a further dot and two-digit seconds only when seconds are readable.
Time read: 8.47
